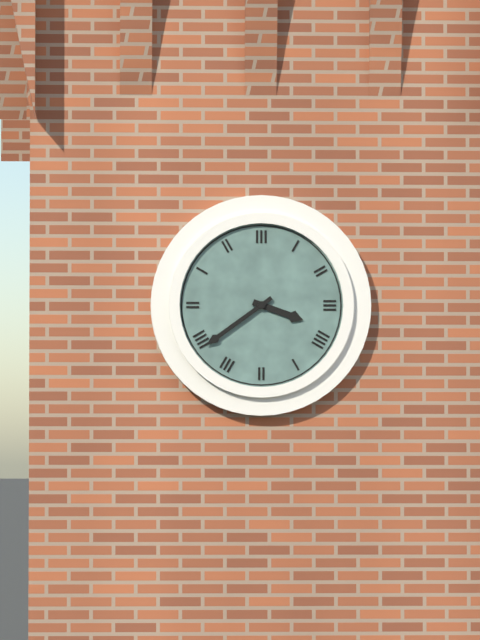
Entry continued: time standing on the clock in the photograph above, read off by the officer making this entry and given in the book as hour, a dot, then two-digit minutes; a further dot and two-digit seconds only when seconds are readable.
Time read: 3.39
